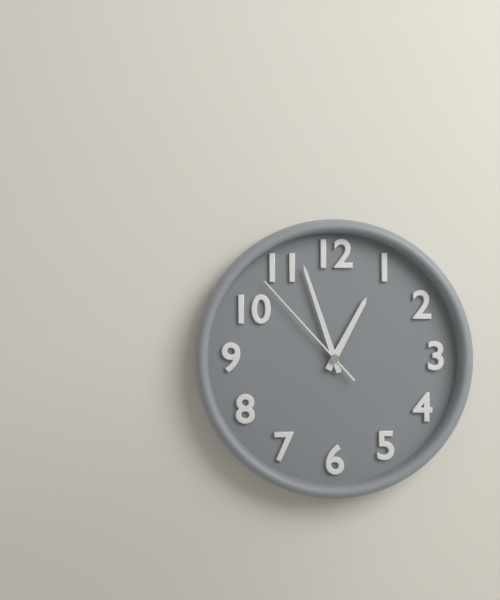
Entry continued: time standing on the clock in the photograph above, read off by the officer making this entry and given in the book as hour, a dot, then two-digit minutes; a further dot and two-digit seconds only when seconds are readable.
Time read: 12.57.53
